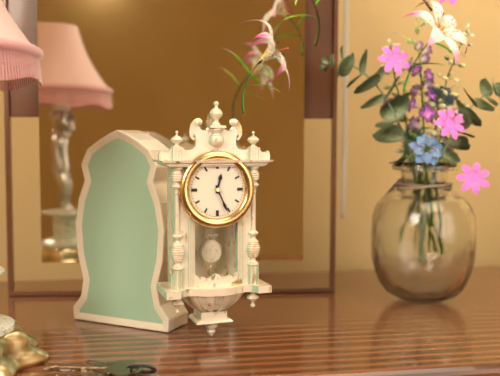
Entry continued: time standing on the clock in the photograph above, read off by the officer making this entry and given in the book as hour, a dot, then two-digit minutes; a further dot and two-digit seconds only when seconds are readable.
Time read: 12.26
